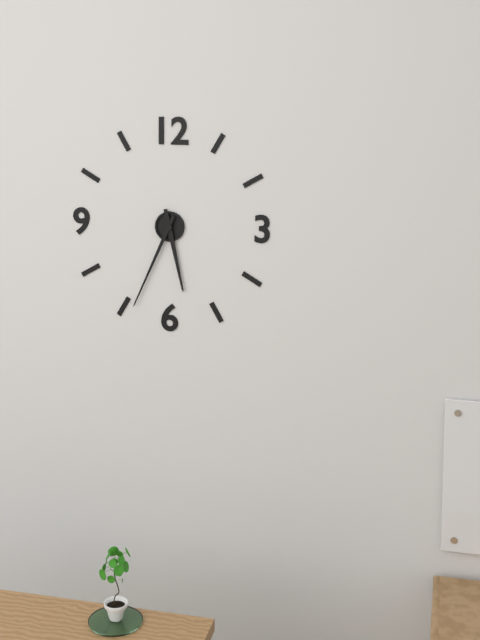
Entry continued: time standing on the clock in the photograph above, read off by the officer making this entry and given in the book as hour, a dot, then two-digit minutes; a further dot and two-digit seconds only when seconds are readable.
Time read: 5.34
